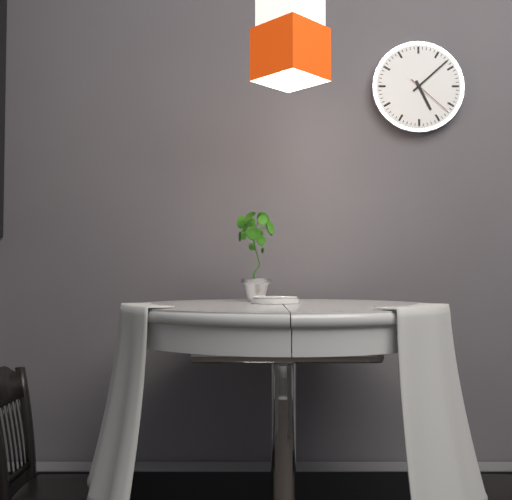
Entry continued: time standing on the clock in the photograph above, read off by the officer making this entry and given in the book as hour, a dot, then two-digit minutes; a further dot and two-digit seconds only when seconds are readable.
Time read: 5.08
